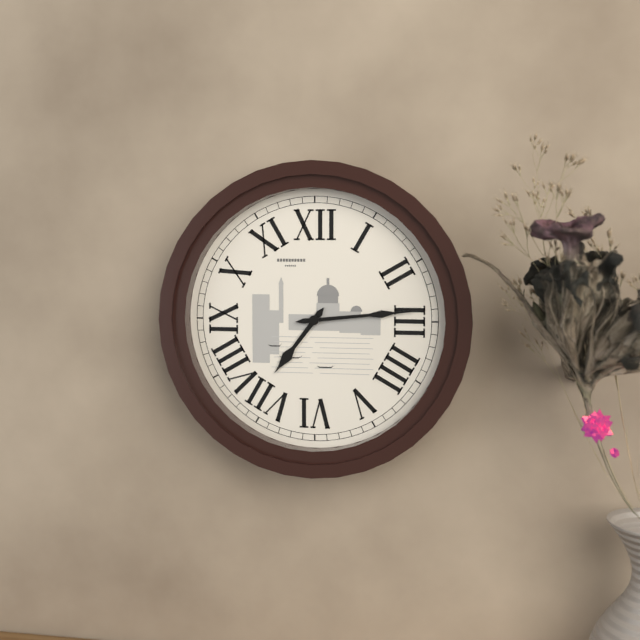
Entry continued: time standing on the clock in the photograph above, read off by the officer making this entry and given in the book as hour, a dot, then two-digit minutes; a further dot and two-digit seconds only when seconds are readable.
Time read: 7.14
